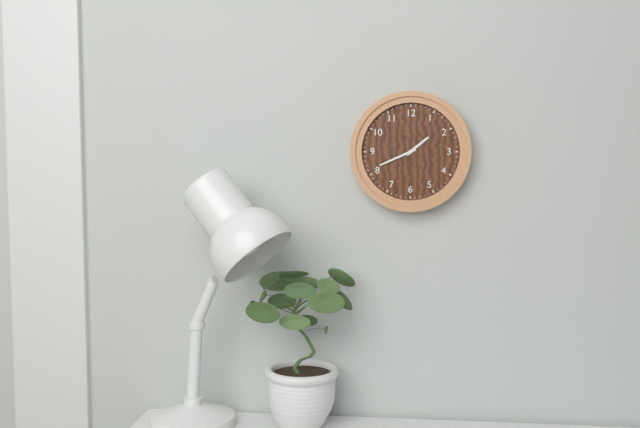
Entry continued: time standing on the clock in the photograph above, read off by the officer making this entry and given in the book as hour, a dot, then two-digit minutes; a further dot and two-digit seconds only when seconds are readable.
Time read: 1.41
